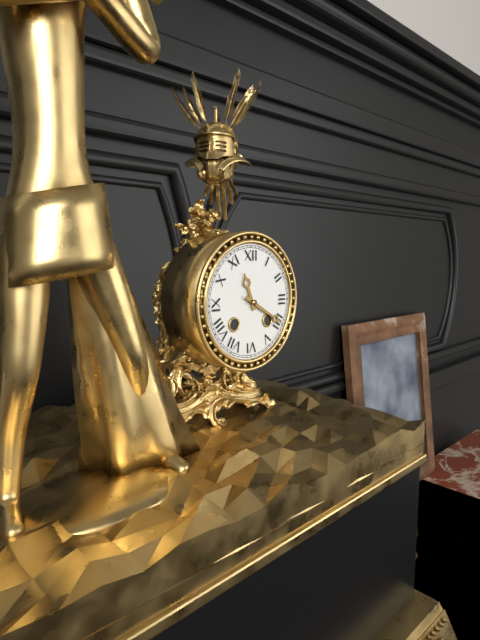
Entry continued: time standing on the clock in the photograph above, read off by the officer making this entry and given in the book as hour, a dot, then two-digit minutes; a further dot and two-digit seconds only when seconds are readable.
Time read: 11.20
